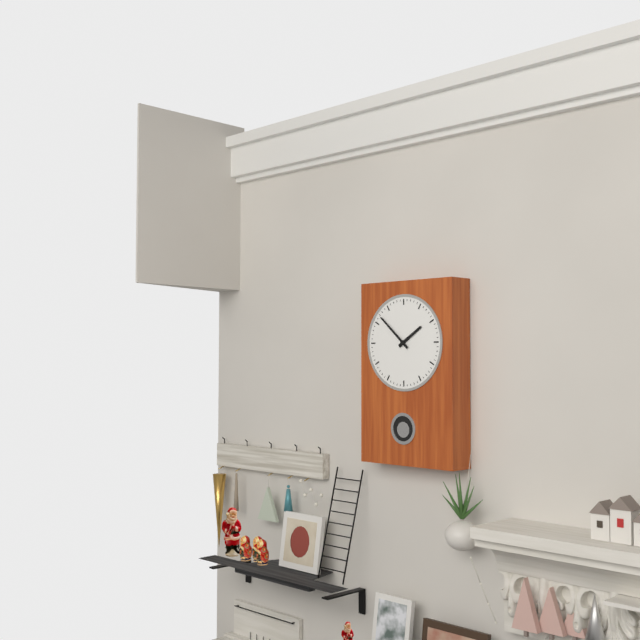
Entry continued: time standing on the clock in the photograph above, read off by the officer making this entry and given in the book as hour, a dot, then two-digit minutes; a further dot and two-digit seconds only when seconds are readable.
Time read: 1.52
